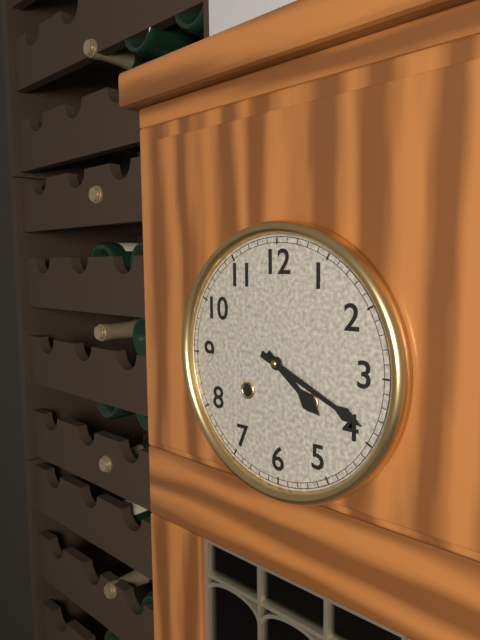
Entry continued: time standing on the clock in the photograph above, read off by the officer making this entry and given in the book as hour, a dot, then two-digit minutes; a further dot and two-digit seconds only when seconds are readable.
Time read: 4.19
